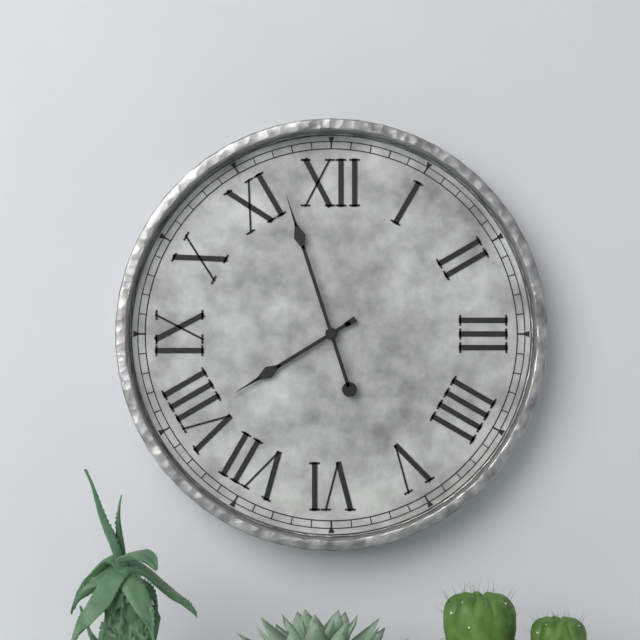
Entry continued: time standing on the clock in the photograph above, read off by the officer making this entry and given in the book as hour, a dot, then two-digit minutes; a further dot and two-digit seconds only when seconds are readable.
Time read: 7.57
